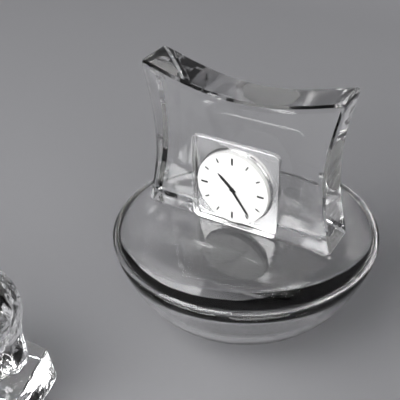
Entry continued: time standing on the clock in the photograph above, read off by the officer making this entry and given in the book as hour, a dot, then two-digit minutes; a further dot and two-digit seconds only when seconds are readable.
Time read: 10.24
